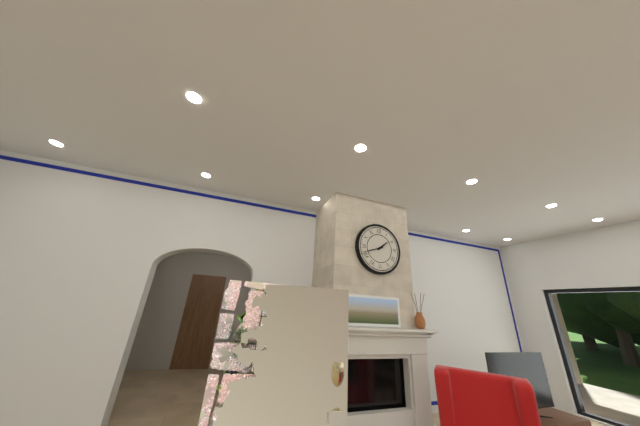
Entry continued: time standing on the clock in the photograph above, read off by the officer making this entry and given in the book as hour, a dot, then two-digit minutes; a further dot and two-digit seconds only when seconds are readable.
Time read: 1.42
